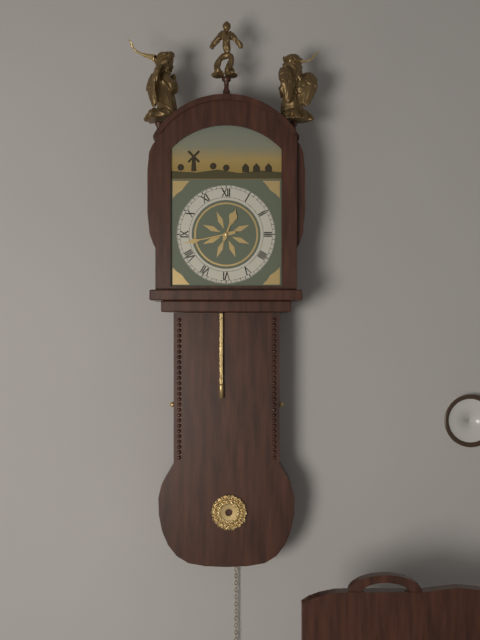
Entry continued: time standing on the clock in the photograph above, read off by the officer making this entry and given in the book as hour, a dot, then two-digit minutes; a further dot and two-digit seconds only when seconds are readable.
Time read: 12.43
